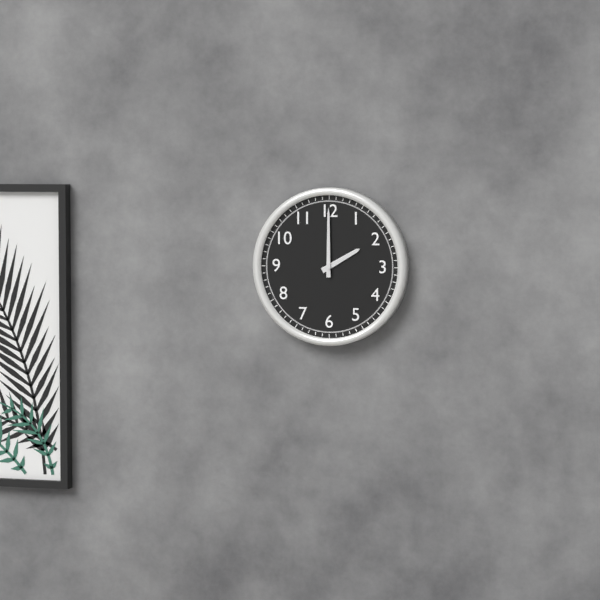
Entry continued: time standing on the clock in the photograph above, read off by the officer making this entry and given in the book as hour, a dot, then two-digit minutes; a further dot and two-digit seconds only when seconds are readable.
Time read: 2.00
